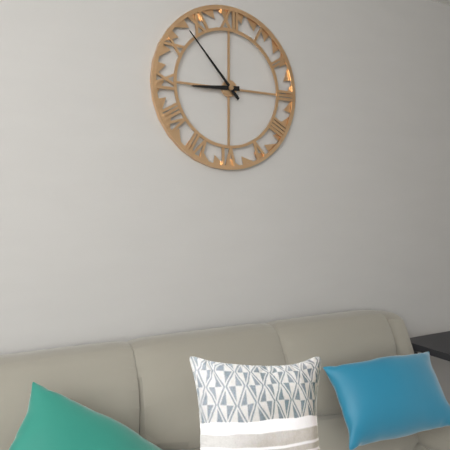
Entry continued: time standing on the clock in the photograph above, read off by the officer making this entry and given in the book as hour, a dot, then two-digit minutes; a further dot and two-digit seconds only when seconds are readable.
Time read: 8.53
